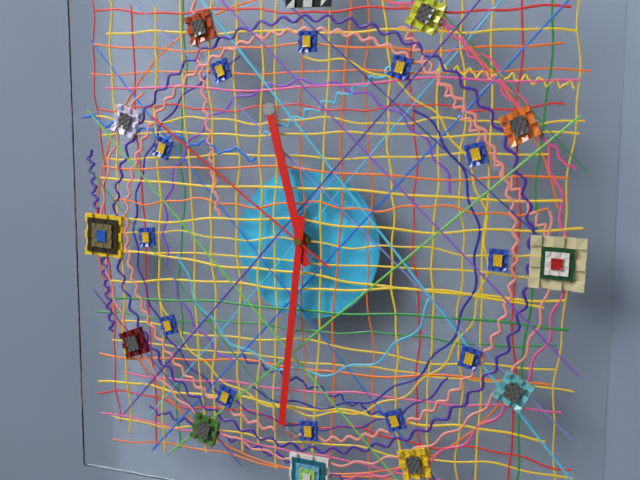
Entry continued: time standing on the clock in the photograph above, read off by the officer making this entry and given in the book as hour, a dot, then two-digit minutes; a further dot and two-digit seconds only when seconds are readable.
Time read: 11.31.51
